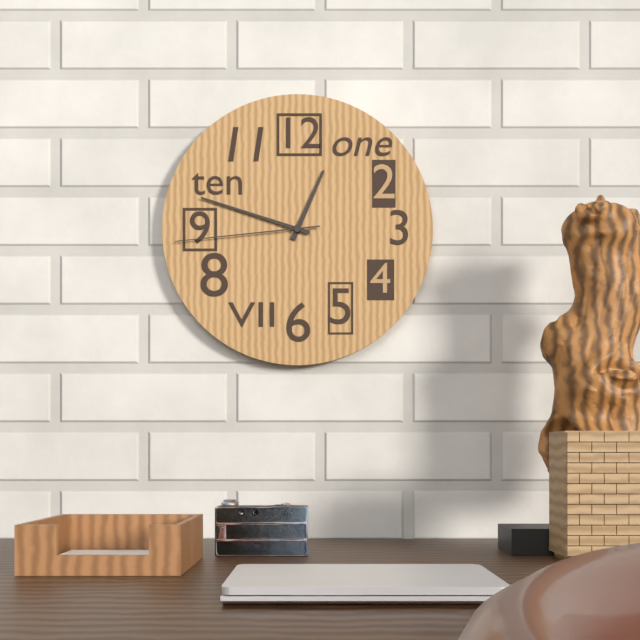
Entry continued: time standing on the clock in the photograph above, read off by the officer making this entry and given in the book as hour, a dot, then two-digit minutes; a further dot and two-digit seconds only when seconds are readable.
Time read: 12.48.44
